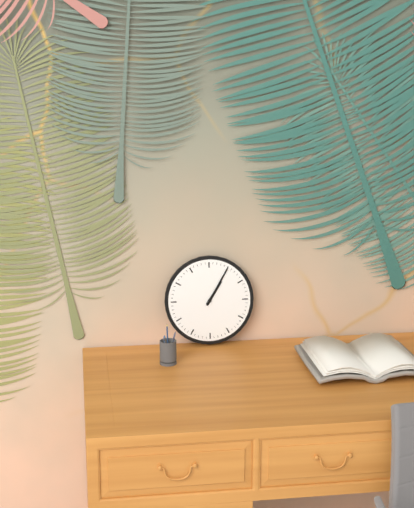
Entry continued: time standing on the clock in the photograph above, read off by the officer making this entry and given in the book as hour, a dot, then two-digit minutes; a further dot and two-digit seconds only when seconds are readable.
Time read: 1.05
